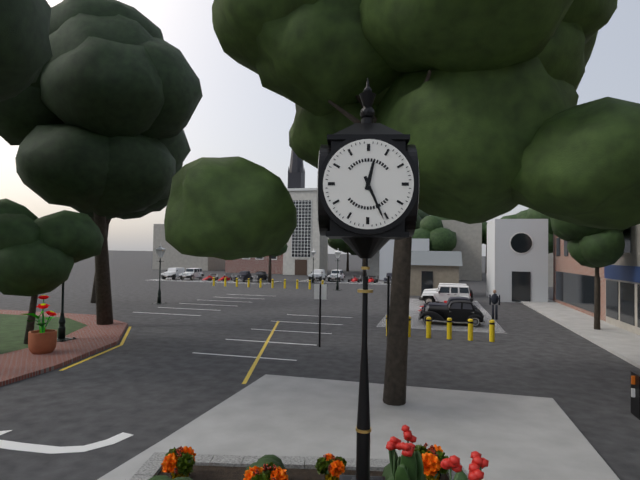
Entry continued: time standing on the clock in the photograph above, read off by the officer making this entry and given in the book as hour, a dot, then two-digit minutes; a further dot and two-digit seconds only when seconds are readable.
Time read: 12.26
